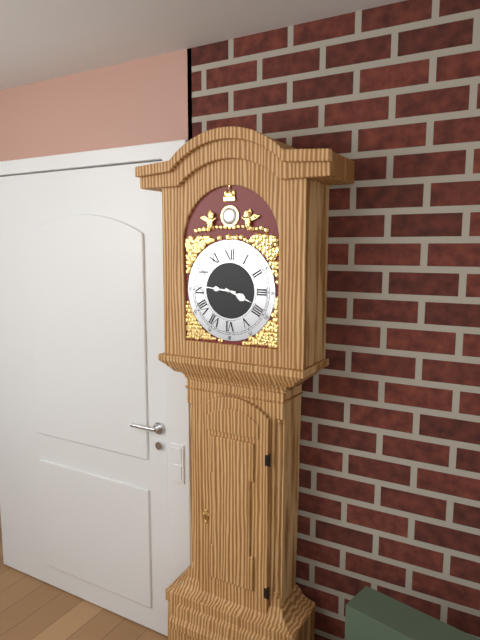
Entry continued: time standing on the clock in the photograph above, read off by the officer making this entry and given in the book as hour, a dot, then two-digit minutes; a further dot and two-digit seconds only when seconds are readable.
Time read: 3.46
